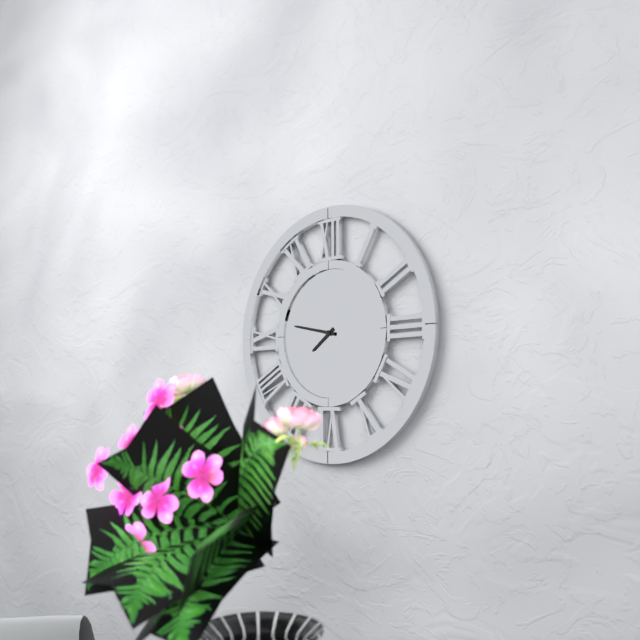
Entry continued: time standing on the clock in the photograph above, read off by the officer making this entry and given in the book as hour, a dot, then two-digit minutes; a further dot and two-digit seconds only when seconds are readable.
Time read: 7.47
